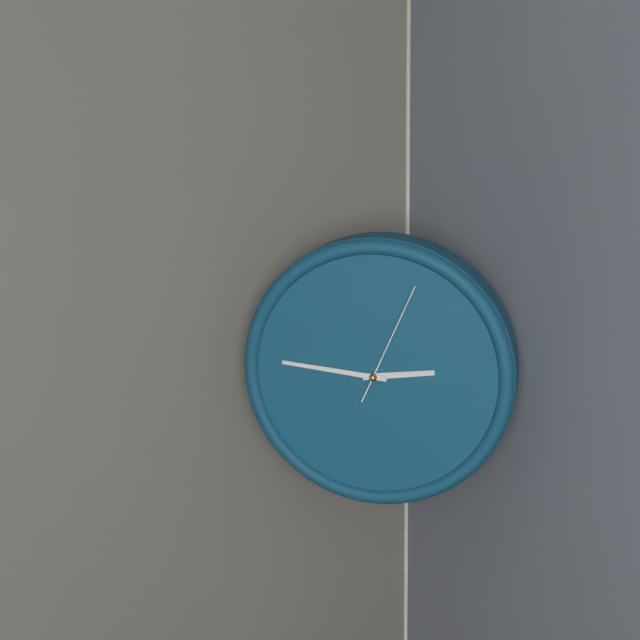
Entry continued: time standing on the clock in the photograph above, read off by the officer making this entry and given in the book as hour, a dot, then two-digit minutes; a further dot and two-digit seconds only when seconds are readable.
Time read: 2.46.04
